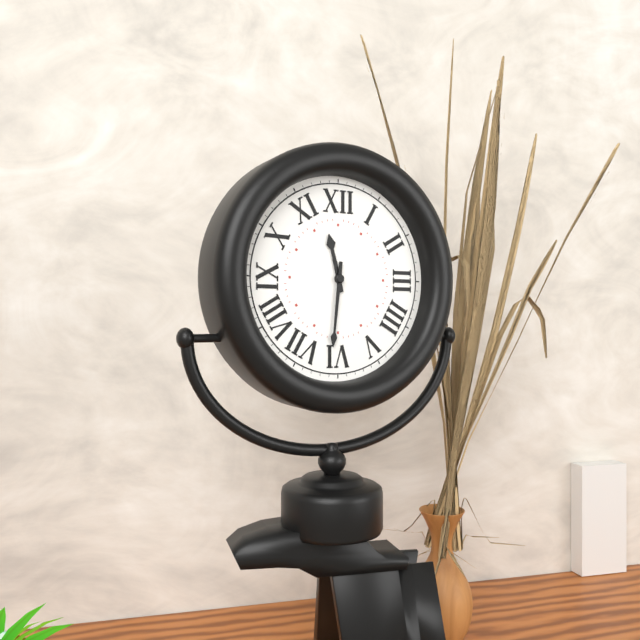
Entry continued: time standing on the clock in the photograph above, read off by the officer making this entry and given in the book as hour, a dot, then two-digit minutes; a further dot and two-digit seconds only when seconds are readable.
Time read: 11.31
